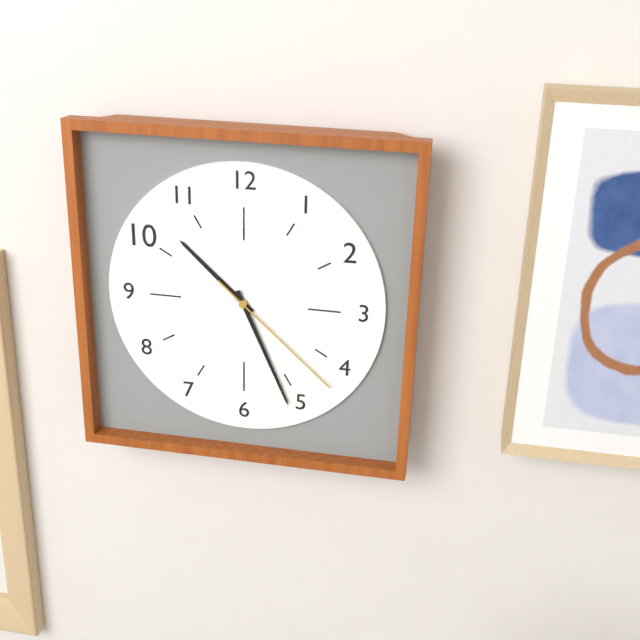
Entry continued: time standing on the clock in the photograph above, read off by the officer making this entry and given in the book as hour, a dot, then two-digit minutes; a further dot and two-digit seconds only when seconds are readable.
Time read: 10.26.22
